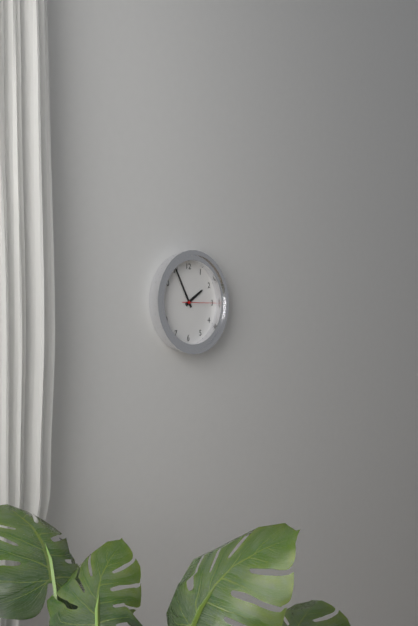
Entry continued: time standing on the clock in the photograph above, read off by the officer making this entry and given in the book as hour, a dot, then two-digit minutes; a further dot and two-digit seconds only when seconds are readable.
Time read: 1.55
